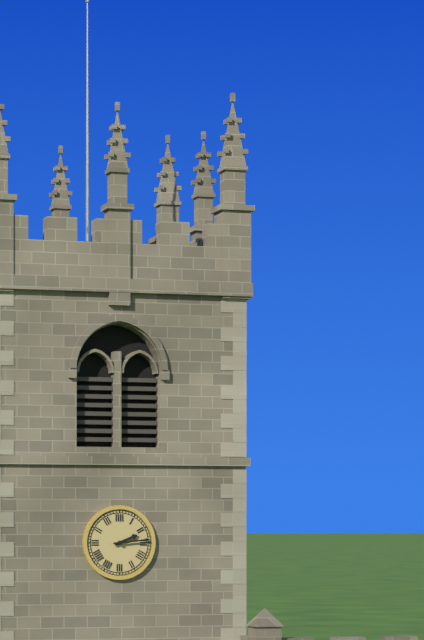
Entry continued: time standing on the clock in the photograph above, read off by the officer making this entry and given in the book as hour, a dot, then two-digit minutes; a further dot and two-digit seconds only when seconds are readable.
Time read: 2.14
